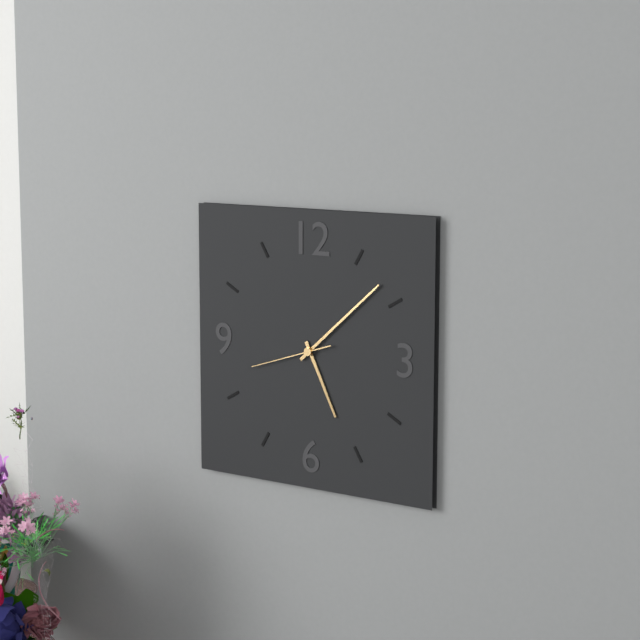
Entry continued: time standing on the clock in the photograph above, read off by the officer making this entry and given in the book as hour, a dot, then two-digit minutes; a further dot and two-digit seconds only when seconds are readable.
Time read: 5.08.42
